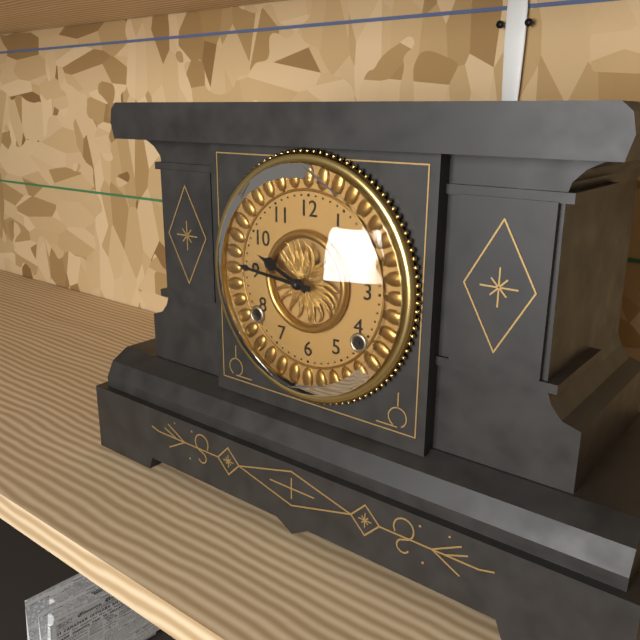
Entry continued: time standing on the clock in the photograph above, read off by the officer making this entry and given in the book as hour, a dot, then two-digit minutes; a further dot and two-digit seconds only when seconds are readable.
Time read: 9.46
